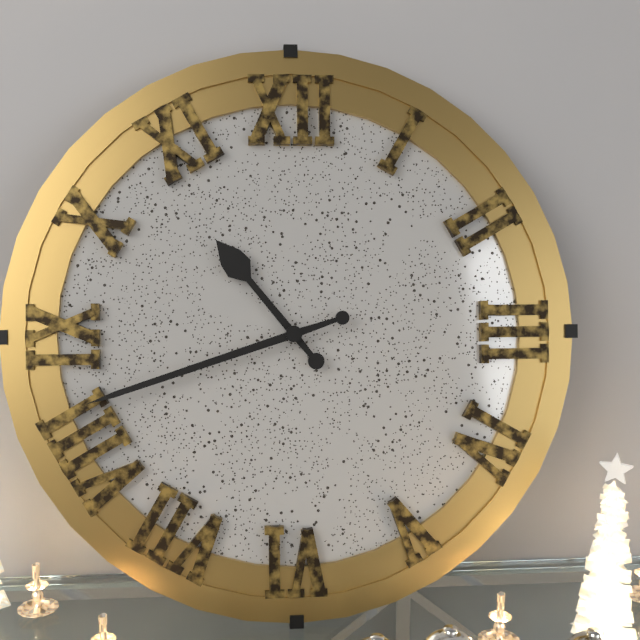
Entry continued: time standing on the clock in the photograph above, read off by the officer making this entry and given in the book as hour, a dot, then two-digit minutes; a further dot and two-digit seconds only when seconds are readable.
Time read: 10.42
